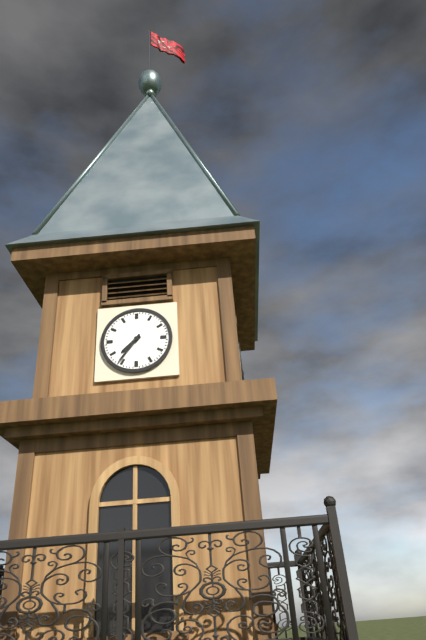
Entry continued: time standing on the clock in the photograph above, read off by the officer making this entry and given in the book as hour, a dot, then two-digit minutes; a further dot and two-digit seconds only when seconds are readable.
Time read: 7.36
